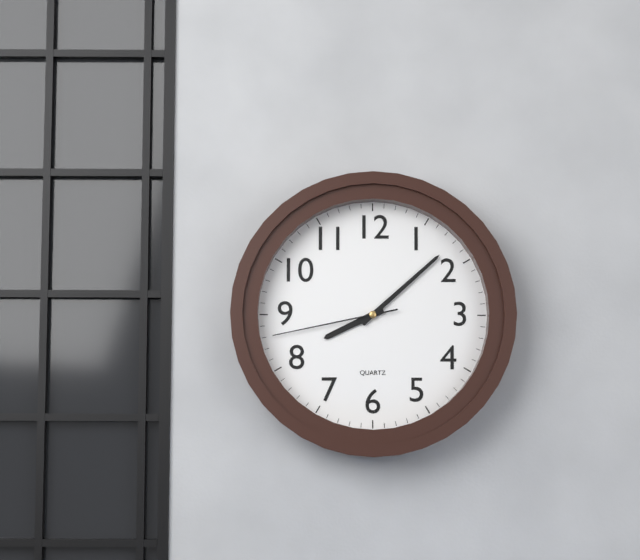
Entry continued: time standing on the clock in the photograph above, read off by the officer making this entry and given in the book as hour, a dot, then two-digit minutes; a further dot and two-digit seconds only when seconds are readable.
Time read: 8.08.43
